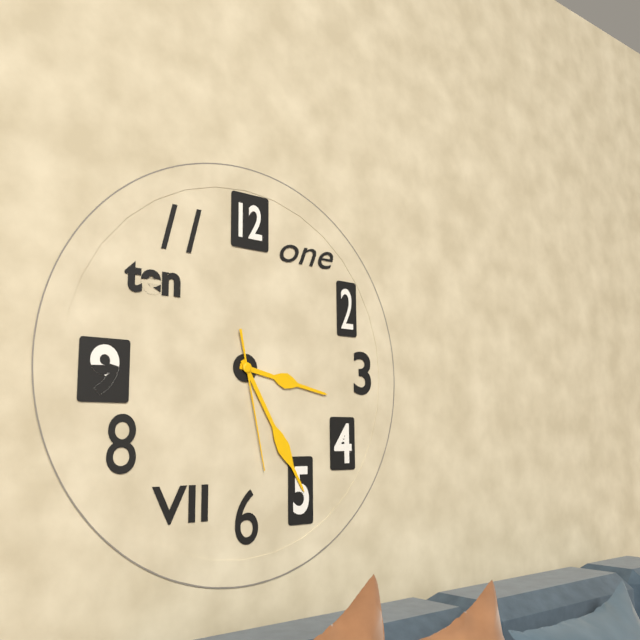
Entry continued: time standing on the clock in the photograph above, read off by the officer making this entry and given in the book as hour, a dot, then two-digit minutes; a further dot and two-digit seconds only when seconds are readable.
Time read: 3.25.28
